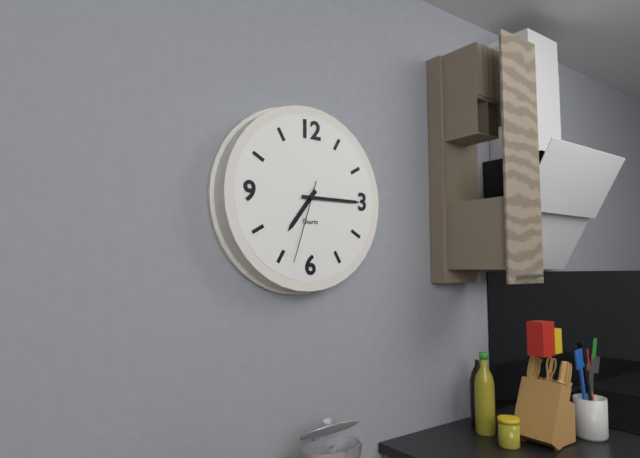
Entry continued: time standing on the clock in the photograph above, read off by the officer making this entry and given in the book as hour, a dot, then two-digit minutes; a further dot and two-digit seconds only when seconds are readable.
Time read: 7.15.33
